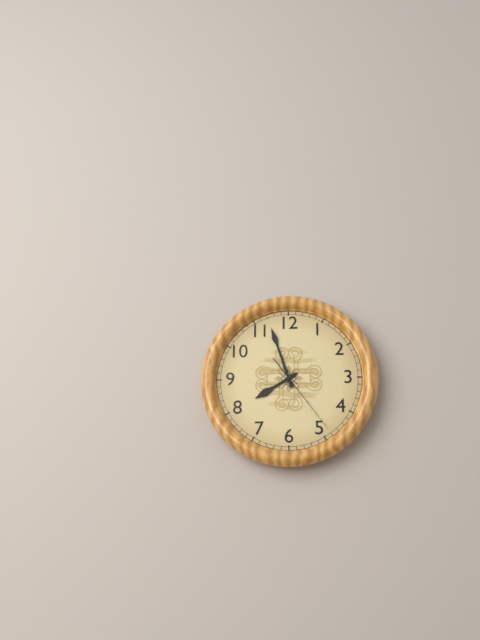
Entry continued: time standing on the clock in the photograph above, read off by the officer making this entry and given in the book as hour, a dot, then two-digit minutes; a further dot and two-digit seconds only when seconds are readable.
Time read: 7.57.24
